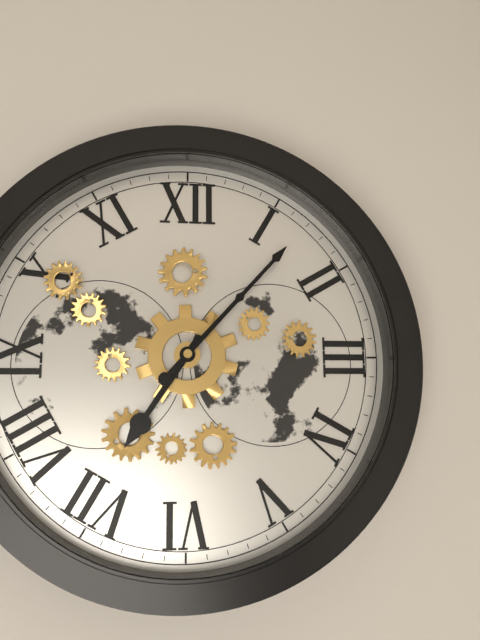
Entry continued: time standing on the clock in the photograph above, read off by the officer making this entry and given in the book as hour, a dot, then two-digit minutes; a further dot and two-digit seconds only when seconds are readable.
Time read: 7.07
